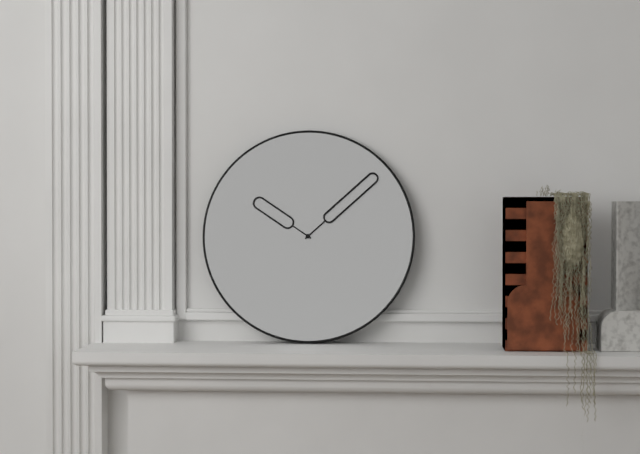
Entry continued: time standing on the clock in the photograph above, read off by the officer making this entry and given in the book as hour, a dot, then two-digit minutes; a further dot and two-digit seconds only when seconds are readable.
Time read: 10.08
